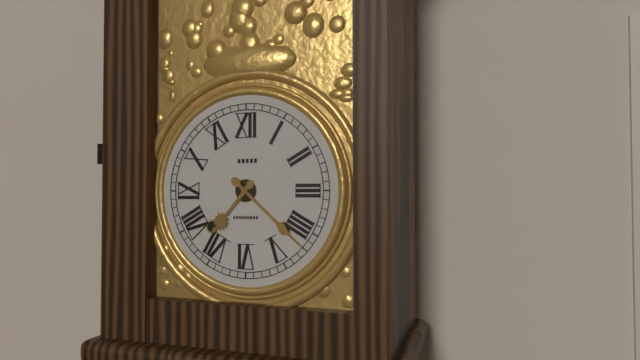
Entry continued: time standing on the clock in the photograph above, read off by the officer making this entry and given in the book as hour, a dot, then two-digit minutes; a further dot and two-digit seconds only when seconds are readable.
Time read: 7.22
